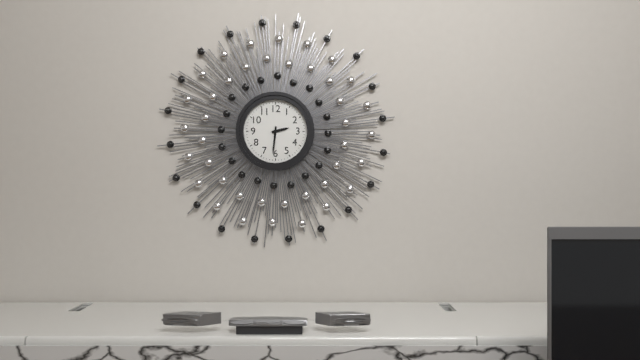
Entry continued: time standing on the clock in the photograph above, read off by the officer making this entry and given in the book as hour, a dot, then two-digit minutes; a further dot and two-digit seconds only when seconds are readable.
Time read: 2.31
